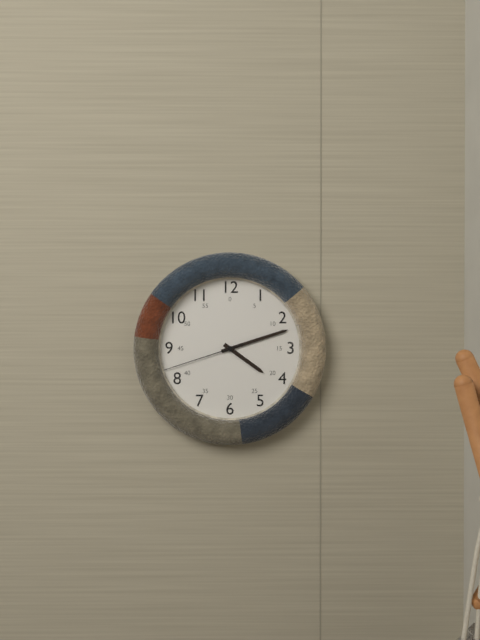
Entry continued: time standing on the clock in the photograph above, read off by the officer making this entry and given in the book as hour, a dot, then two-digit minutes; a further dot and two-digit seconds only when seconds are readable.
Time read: 4.12.42
